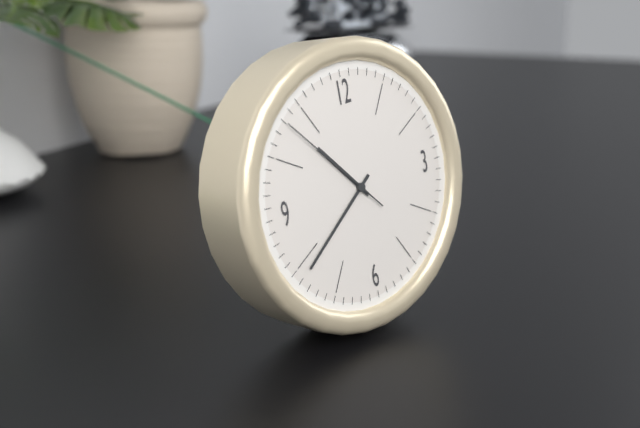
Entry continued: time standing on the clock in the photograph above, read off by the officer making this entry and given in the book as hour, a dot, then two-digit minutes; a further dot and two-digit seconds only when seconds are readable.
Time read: 10.39.53
